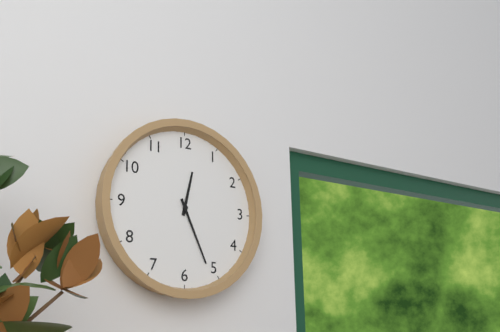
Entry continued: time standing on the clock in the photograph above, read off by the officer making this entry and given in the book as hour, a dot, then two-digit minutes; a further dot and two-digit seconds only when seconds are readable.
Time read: 12.26
